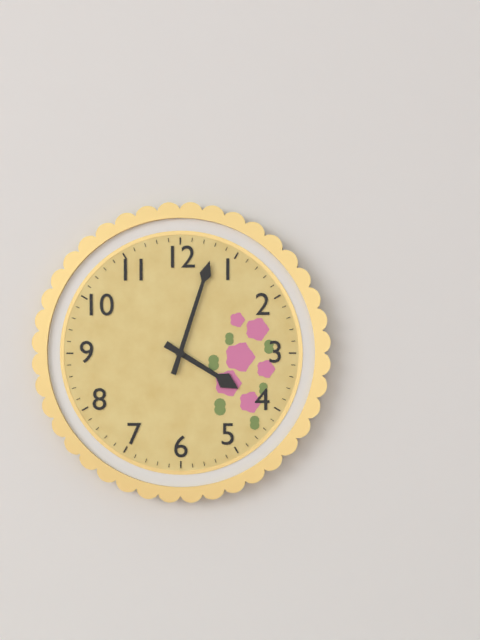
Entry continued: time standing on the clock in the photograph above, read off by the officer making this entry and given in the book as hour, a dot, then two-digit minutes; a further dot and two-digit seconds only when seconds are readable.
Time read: 4.03
